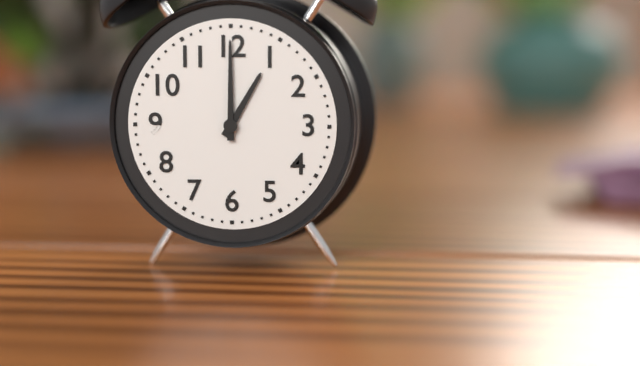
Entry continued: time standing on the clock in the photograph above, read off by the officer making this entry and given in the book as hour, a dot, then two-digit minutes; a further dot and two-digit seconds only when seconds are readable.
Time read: 1.00
